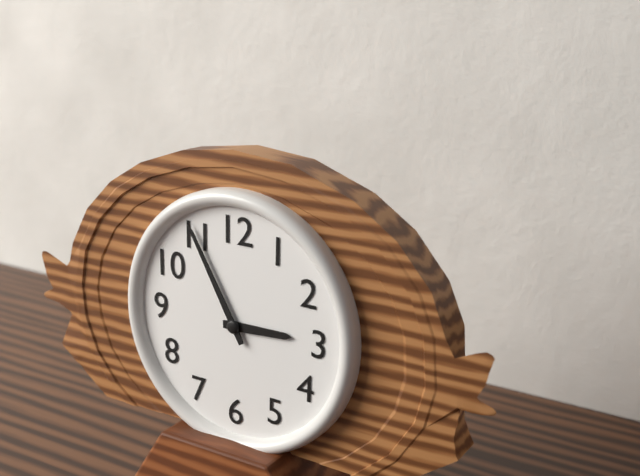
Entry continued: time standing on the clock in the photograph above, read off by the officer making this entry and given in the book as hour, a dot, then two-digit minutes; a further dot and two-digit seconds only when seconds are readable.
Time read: 2.55
